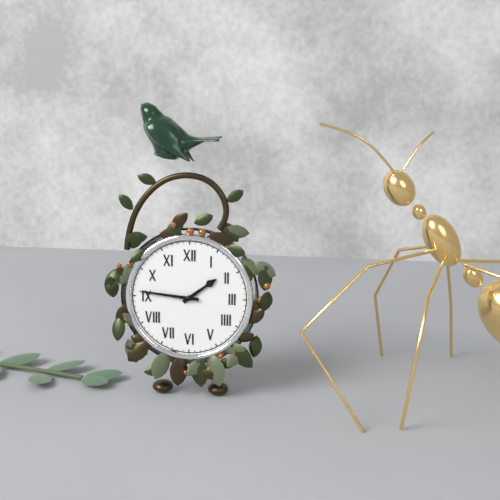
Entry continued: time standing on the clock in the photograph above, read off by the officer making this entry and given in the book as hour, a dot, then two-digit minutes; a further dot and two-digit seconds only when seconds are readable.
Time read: 1.46
